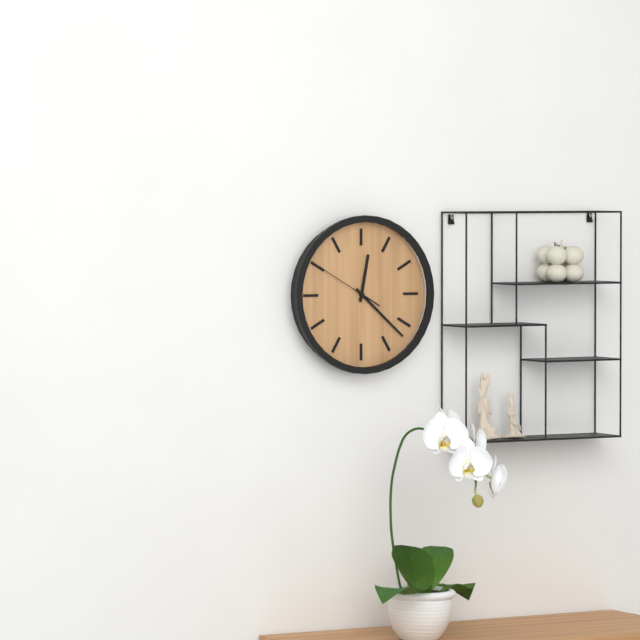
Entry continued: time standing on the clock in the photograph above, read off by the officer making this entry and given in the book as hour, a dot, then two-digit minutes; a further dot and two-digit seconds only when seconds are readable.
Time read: 12.22.50
